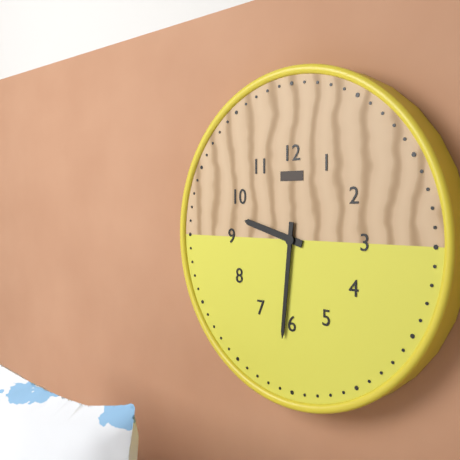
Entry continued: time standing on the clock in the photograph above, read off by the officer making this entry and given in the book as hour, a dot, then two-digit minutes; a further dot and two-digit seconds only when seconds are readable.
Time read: 9.31
